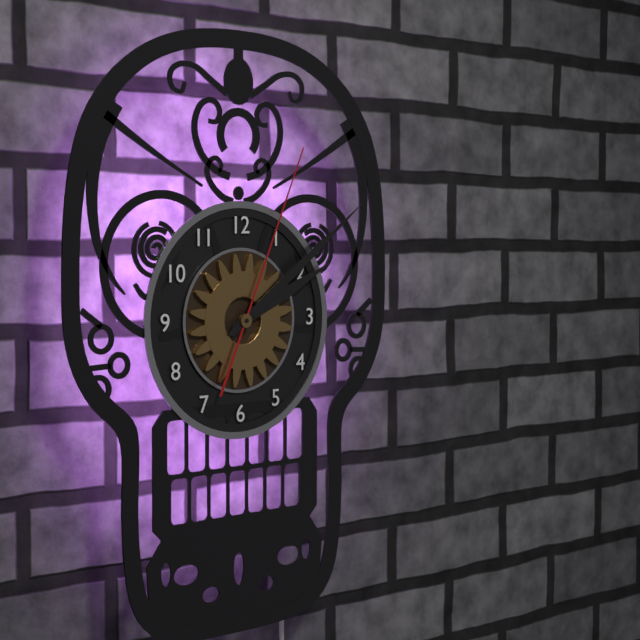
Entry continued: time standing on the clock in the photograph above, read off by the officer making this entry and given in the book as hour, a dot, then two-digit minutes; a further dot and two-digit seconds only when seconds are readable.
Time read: 2.09.04
